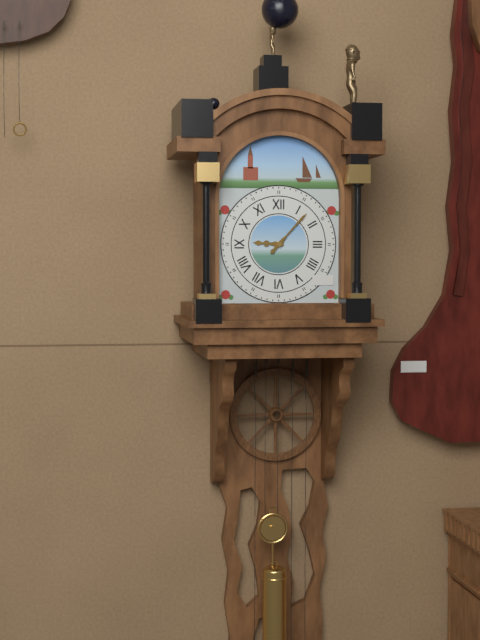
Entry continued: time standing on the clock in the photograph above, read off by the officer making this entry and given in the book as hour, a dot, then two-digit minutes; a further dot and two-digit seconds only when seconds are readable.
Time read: 9.07
